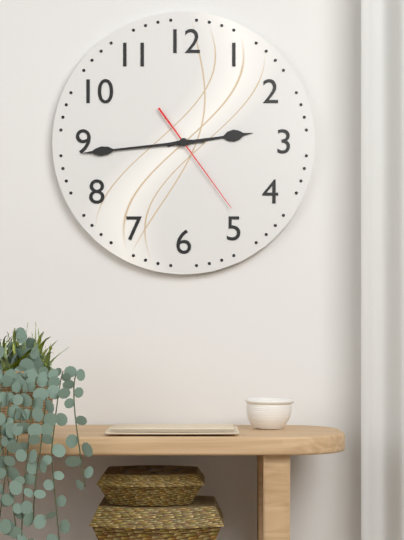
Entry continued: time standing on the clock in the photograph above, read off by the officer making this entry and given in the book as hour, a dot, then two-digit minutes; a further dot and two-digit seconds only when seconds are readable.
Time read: 2.44.24
